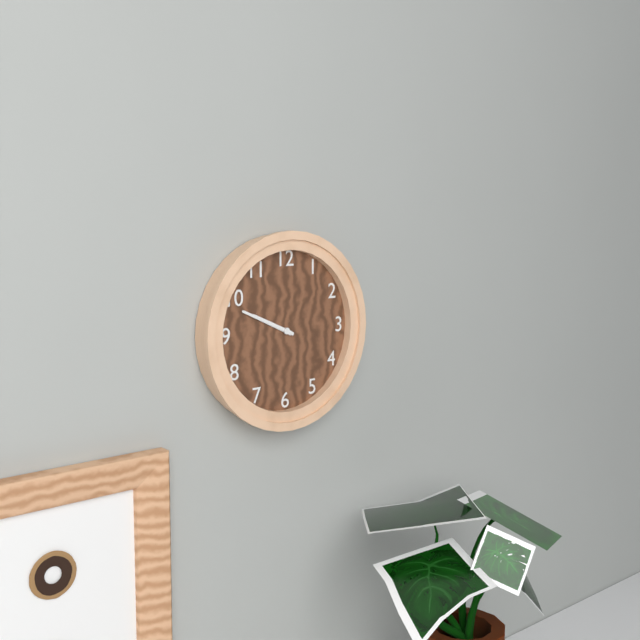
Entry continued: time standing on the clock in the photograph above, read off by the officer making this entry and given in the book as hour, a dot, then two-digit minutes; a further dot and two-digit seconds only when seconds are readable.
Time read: 9.49
